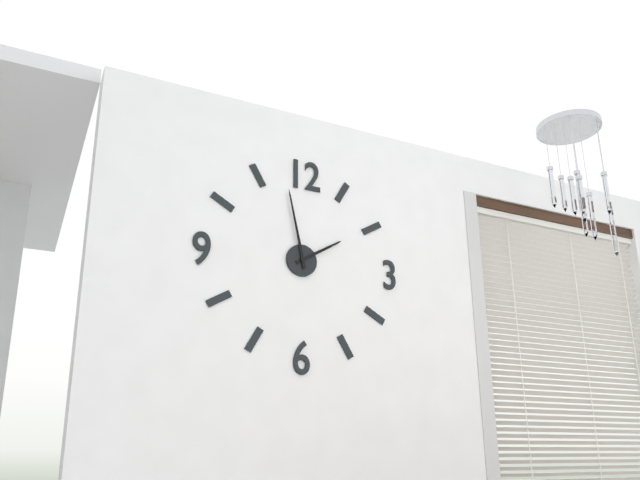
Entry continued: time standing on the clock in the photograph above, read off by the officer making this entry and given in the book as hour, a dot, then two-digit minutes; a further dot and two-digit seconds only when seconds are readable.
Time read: 1.58
